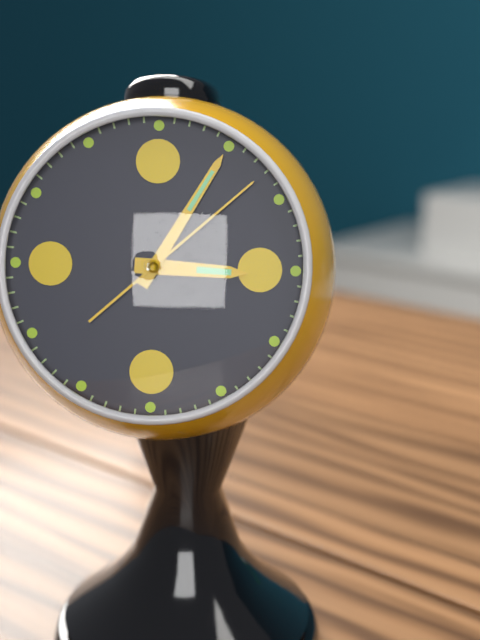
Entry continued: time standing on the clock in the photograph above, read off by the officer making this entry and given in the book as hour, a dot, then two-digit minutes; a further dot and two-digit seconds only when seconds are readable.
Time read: 3.05.08
